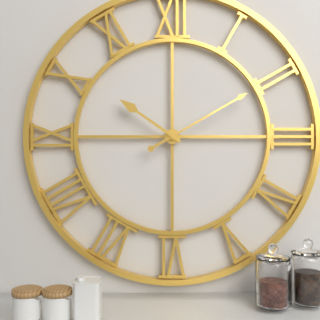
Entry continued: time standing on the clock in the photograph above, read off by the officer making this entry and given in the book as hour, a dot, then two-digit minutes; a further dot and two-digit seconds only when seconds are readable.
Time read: 10.10
